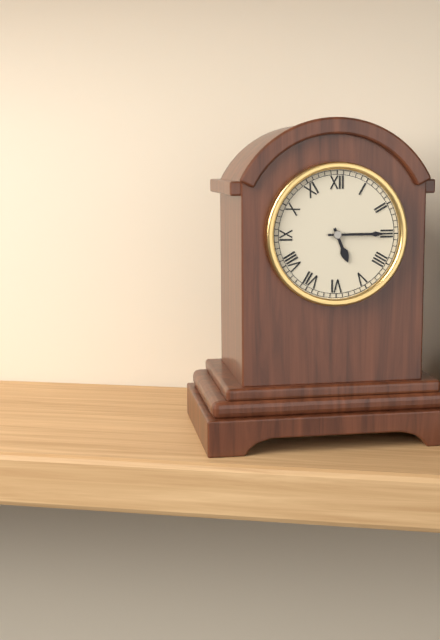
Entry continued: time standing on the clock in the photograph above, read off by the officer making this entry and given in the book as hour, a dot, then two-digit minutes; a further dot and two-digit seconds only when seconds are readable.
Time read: 5.15
